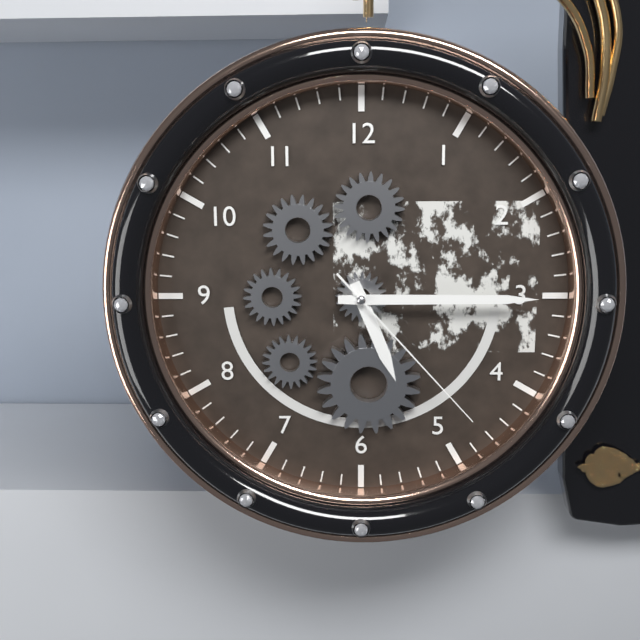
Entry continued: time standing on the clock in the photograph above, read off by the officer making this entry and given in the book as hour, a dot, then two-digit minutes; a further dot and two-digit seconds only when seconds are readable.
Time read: 5.15.23
